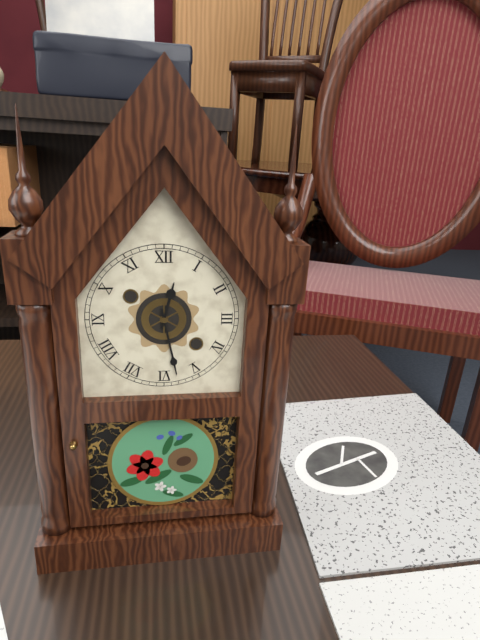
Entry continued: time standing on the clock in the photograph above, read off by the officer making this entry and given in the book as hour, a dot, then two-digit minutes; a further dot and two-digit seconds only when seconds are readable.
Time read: 12.28
